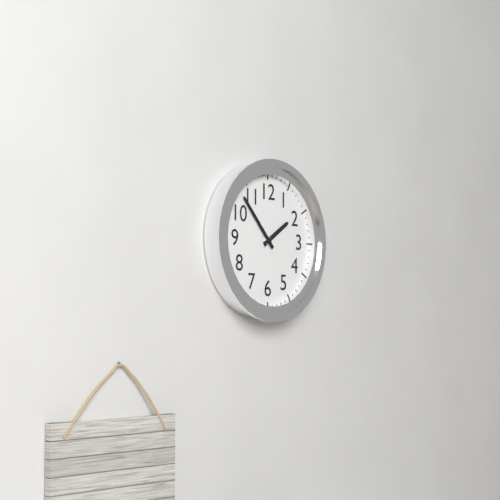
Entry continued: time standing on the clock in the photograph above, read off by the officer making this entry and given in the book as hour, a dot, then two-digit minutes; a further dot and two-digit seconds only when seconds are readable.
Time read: 1.53
